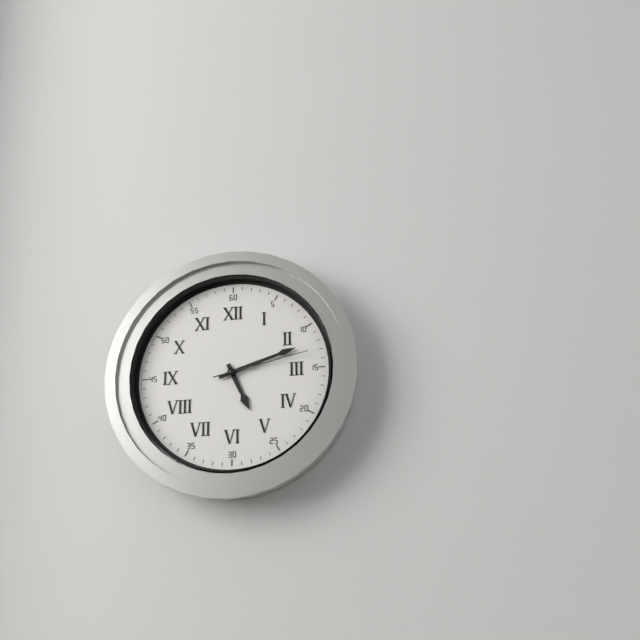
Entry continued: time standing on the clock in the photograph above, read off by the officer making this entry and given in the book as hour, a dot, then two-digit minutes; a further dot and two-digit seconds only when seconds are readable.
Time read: 5.12.13
